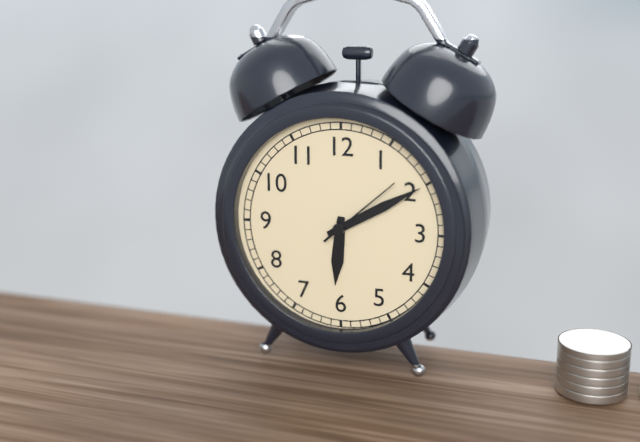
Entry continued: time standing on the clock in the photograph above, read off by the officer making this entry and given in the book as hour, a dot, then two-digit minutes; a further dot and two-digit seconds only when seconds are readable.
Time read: 6.10.08
